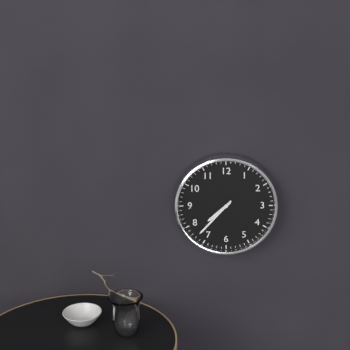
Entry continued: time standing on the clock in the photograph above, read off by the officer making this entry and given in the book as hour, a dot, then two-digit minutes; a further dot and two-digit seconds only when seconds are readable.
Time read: 7.37
